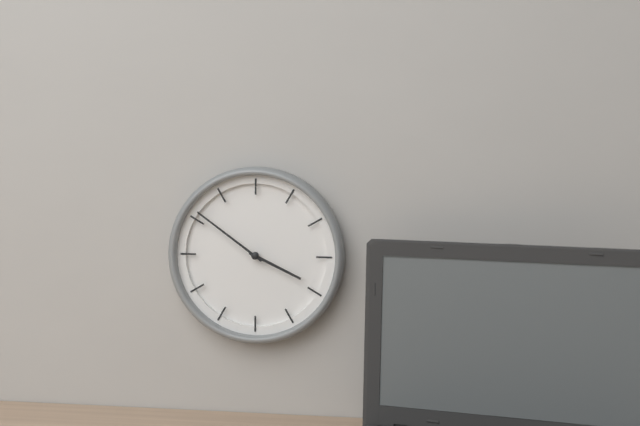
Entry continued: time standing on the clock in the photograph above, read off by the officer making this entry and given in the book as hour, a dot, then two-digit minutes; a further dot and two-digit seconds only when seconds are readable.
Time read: 3.51
